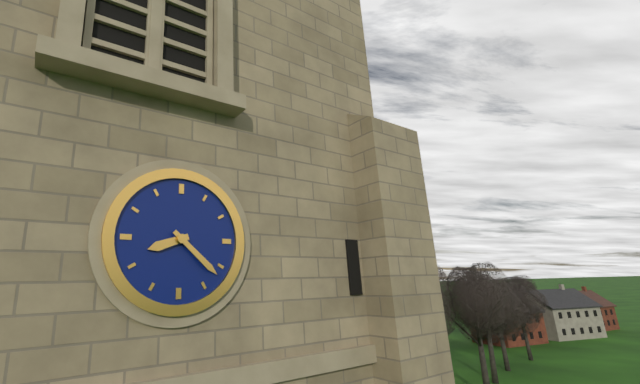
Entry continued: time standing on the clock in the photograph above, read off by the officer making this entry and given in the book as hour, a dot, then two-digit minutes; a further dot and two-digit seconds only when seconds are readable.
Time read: 8.22
